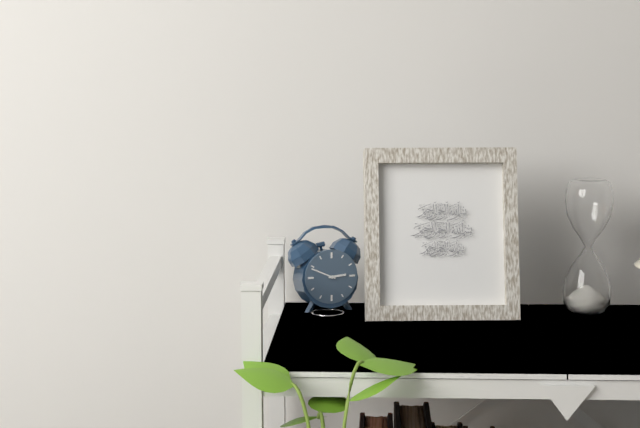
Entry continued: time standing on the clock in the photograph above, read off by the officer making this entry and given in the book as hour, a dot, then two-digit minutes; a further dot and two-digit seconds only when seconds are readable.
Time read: 2.49
